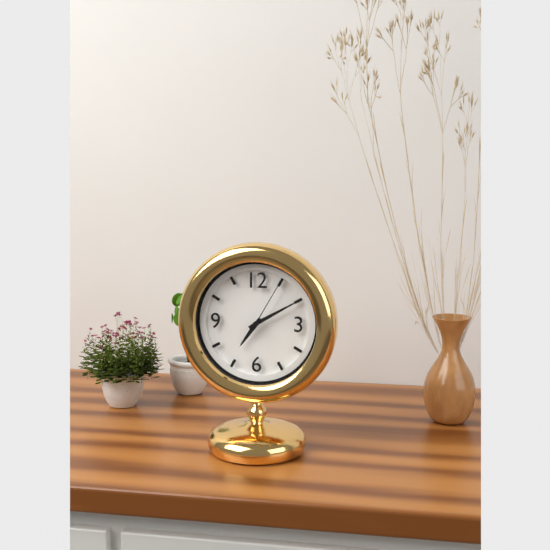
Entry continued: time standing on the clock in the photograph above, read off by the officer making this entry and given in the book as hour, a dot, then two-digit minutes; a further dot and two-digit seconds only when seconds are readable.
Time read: 7.10.05
